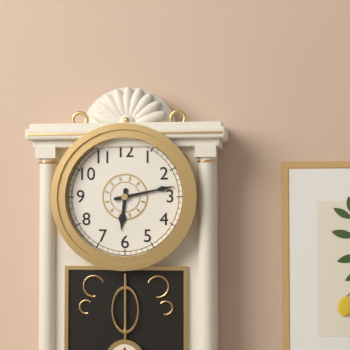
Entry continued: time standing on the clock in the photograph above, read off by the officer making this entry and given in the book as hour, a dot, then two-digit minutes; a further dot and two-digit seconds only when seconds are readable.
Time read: 6.13
